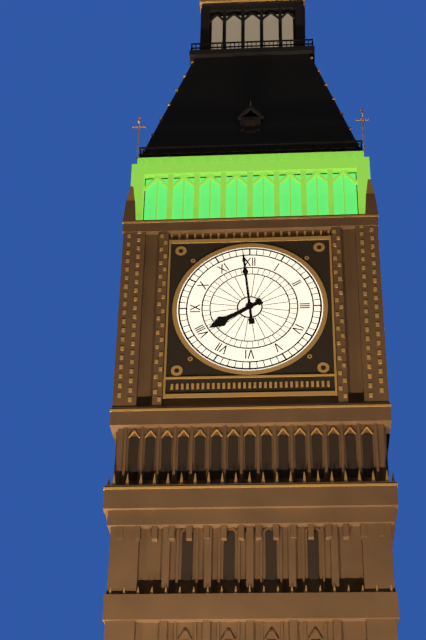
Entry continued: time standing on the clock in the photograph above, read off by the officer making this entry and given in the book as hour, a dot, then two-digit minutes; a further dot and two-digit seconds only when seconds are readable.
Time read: 7.59
